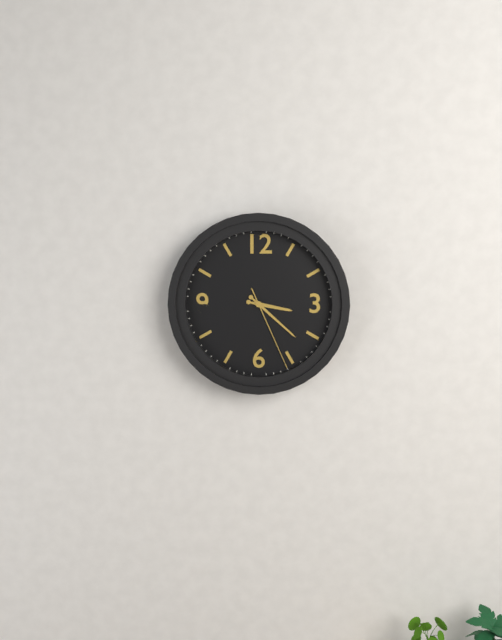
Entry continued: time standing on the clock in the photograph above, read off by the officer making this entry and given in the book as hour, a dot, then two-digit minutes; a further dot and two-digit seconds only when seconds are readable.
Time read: 3.22.26
